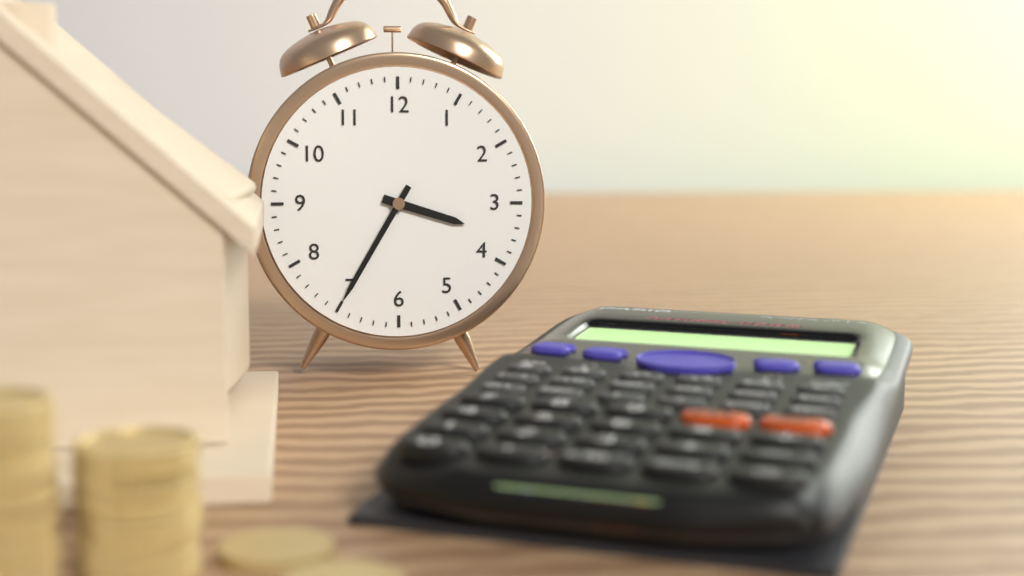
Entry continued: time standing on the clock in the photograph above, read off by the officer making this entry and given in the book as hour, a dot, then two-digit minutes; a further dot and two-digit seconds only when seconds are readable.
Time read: 3.35
